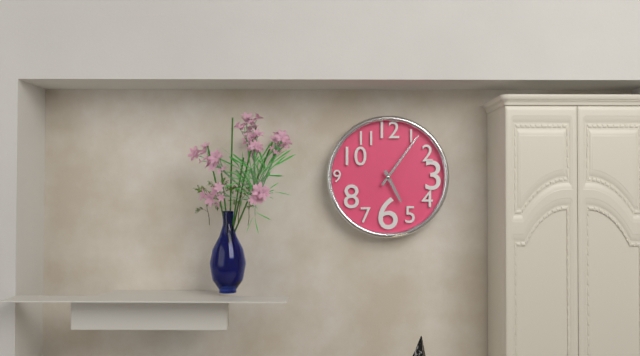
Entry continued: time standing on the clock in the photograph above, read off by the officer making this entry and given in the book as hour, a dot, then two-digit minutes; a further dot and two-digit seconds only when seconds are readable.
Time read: 5.06
